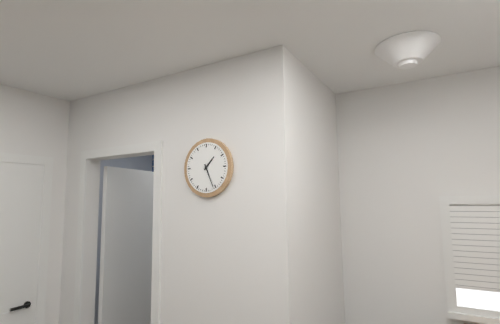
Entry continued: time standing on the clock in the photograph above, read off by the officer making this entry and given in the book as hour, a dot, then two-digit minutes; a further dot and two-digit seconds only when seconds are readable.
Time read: 1.26
